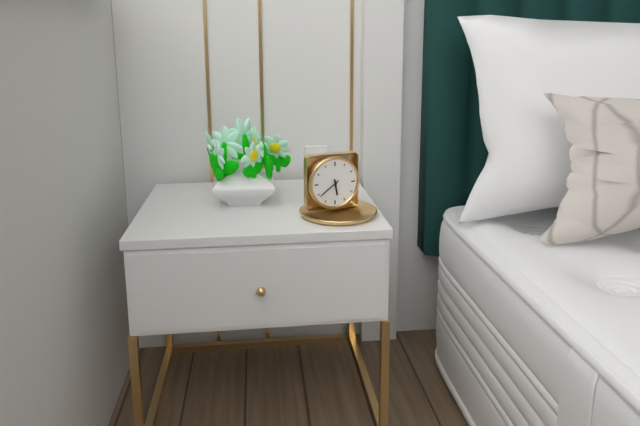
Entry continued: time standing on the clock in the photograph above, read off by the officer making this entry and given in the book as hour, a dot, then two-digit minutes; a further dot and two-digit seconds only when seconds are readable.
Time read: 5.39
